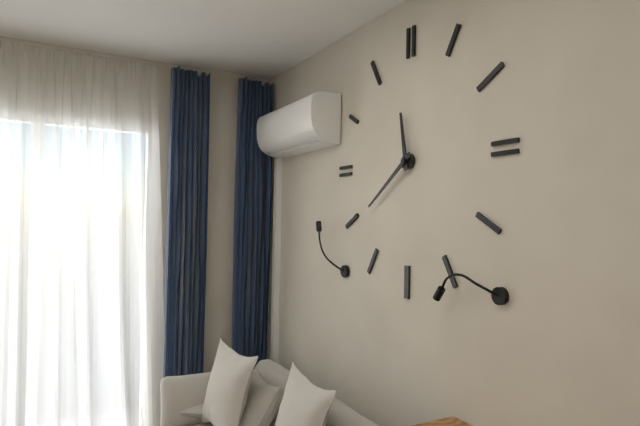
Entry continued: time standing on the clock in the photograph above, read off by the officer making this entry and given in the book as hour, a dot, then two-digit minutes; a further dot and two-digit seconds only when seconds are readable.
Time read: 11.39
